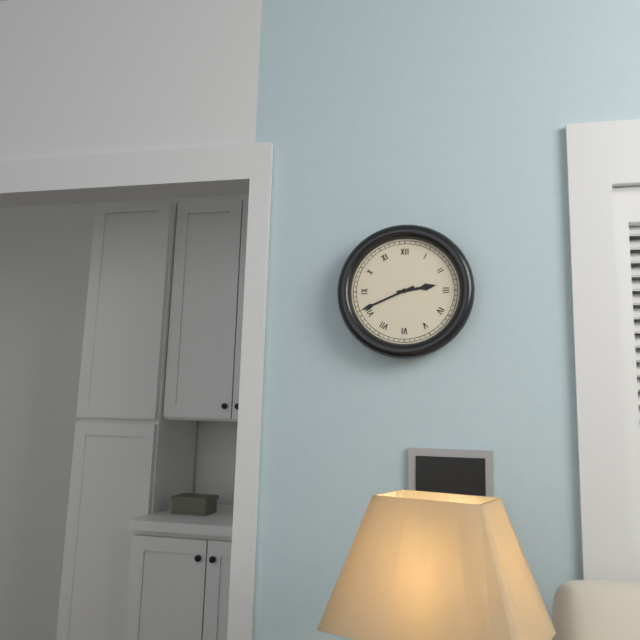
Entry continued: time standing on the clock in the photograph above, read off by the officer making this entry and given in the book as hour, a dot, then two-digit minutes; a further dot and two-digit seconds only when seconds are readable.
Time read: 2.41
